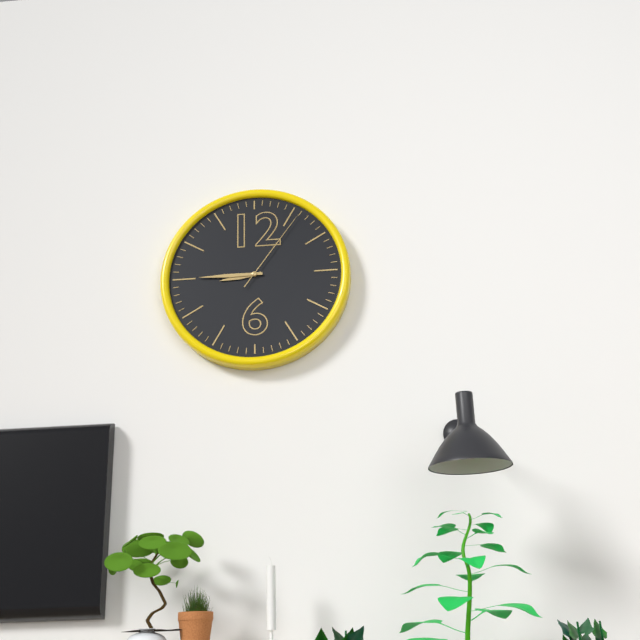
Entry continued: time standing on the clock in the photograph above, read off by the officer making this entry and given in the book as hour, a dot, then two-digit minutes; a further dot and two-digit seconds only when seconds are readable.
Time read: 8.45.06
